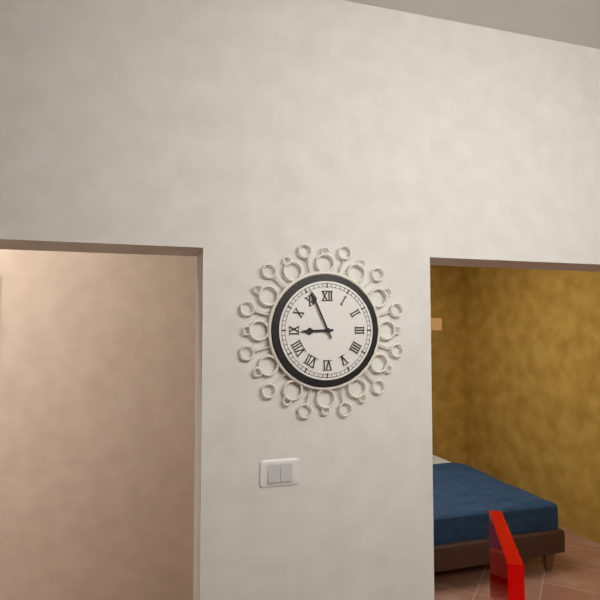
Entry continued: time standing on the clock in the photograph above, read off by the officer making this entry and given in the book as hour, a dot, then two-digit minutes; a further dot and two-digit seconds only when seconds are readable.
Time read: 8.56
